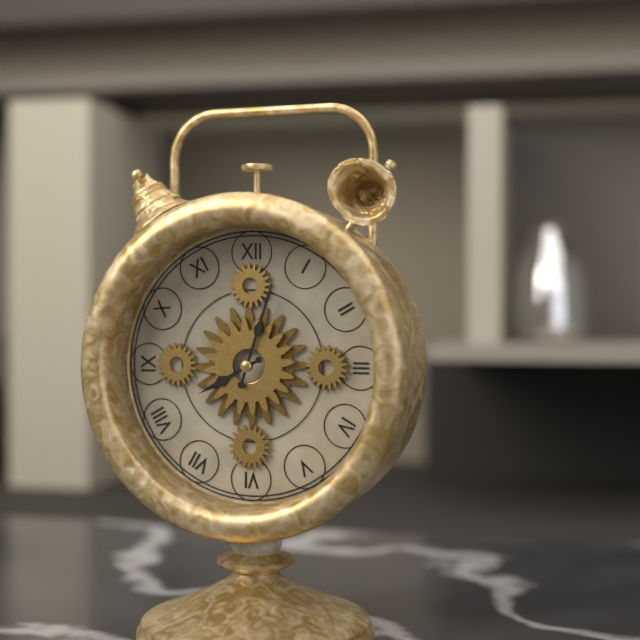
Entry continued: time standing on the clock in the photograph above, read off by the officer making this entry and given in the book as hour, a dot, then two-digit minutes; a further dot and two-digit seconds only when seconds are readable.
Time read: 8.03
